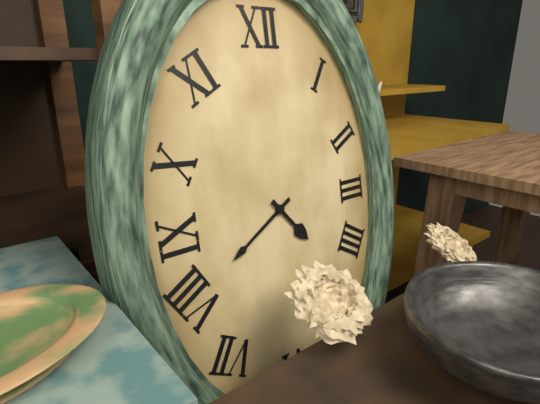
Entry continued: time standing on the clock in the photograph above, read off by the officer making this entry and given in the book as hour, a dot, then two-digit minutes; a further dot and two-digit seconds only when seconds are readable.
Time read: 4.40
